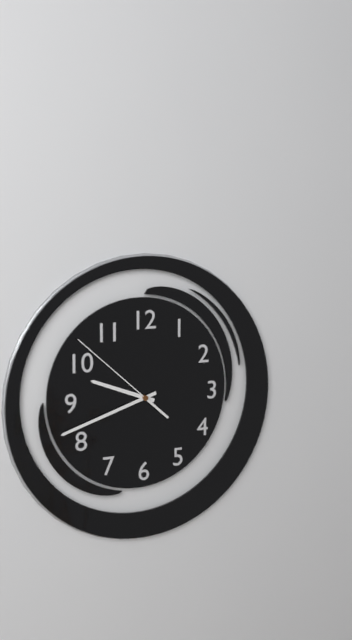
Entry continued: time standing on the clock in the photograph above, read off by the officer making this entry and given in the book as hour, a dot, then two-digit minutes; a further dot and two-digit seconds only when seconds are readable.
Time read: 9.42.52
